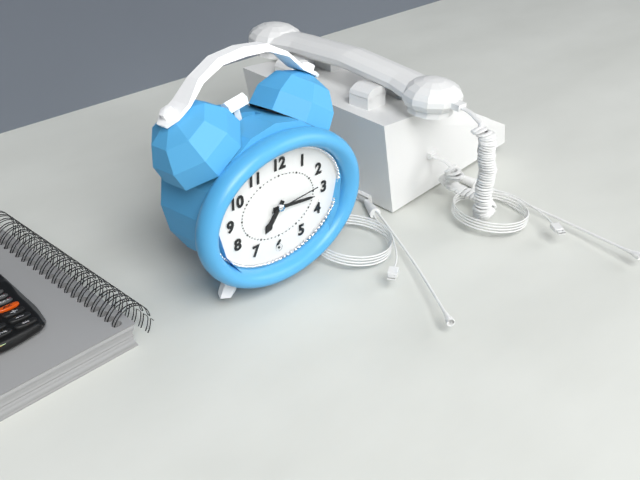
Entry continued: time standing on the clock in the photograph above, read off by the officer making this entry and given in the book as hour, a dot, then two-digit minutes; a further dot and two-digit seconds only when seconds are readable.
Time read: 7.16.14
